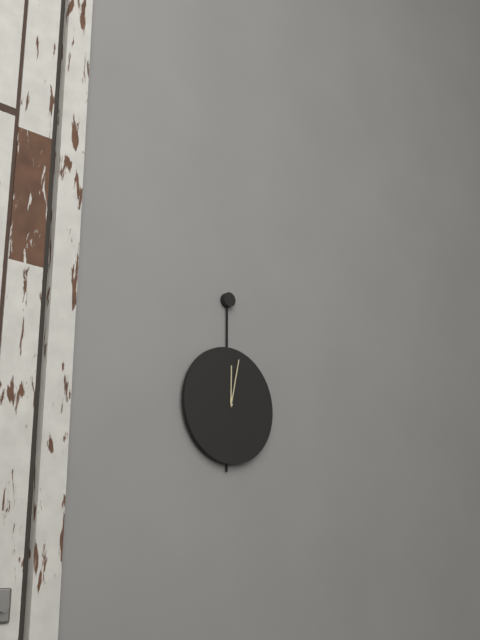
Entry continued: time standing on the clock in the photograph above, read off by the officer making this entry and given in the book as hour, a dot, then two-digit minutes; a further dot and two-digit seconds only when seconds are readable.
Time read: 12.02
